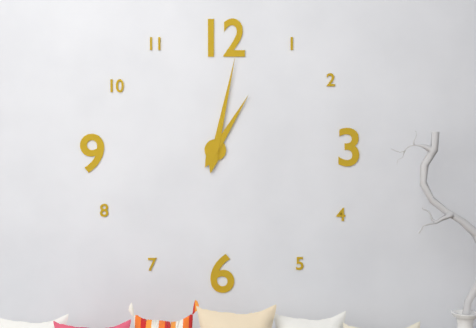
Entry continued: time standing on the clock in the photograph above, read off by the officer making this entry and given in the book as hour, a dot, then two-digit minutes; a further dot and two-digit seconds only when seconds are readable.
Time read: 1.02
